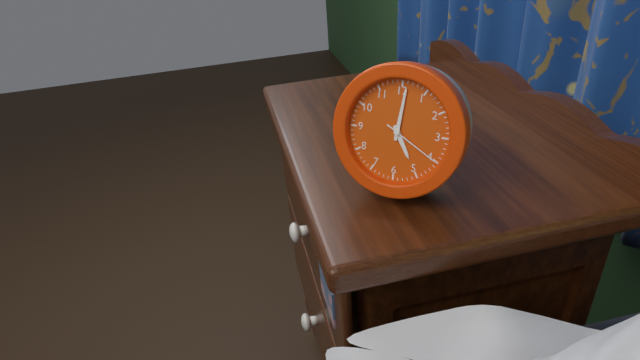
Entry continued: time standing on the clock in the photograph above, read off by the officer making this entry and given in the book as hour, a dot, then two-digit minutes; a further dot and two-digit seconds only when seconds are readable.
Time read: 5.01.20
